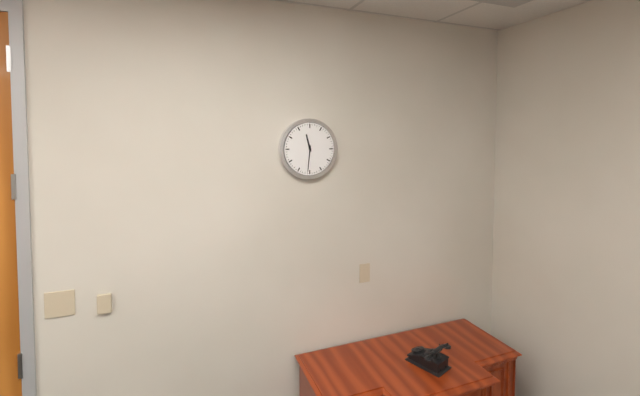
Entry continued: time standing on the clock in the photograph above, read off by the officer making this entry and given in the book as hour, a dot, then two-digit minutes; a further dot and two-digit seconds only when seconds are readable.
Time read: 11.31
